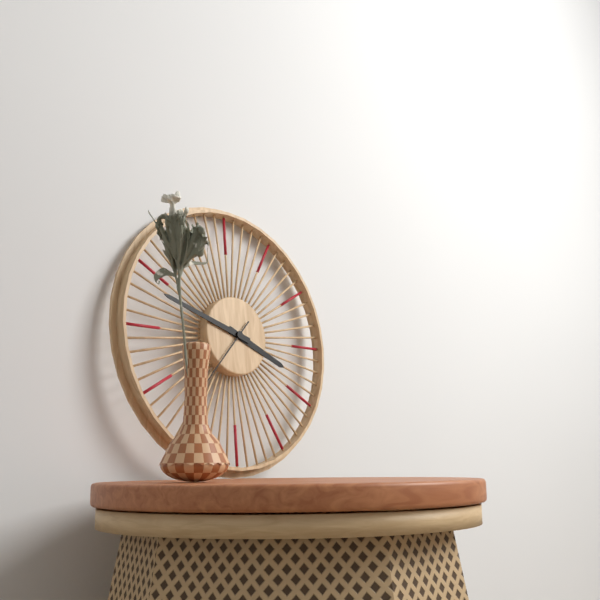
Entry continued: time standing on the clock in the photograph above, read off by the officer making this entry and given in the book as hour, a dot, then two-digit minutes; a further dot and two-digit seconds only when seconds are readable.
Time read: 3.48.37
